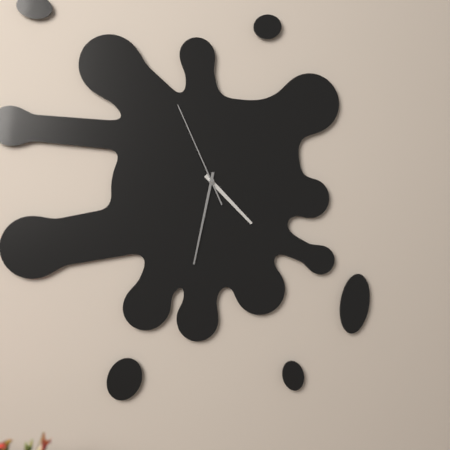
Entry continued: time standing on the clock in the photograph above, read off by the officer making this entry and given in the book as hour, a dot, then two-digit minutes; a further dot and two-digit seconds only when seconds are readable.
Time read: 4.32.56
